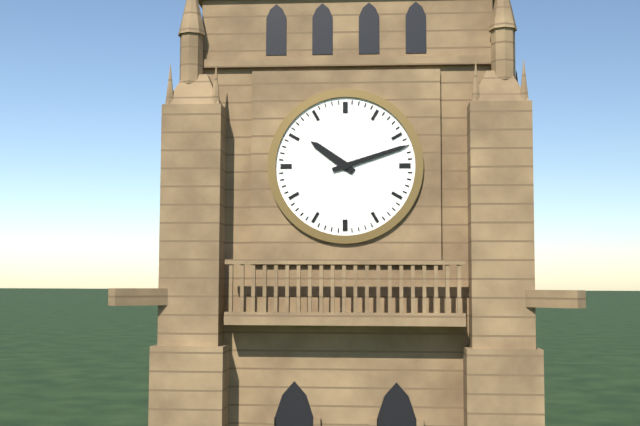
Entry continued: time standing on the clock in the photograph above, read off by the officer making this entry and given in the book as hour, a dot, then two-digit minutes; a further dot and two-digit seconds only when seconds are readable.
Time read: 10.12
